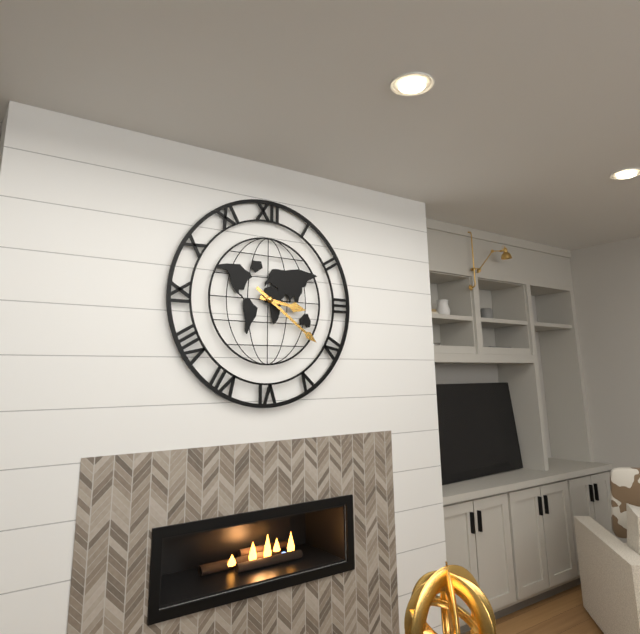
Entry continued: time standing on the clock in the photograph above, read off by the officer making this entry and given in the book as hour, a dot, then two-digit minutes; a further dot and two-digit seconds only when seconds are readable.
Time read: 3.21
